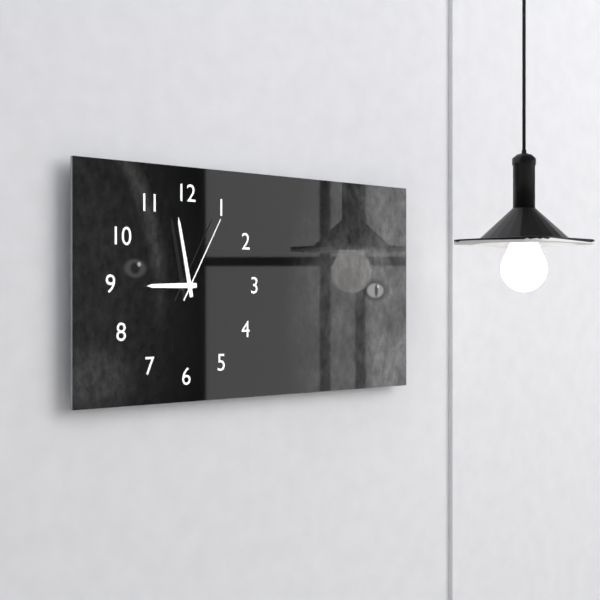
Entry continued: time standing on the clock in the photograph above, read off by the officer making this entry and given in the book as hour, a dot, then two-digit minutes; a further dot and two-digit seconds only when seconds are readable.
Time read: 8.58.05
